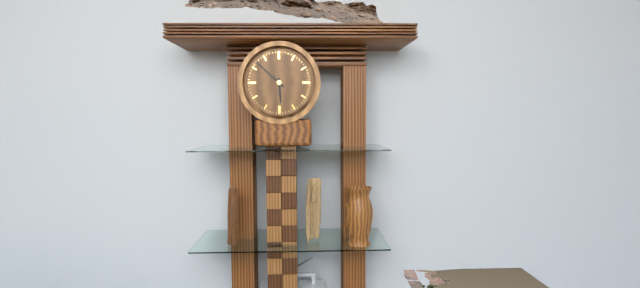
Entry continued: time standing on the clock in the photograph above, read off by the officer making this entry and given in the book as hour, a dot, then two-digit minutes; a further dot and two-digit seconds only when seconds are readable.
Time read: 5.52
